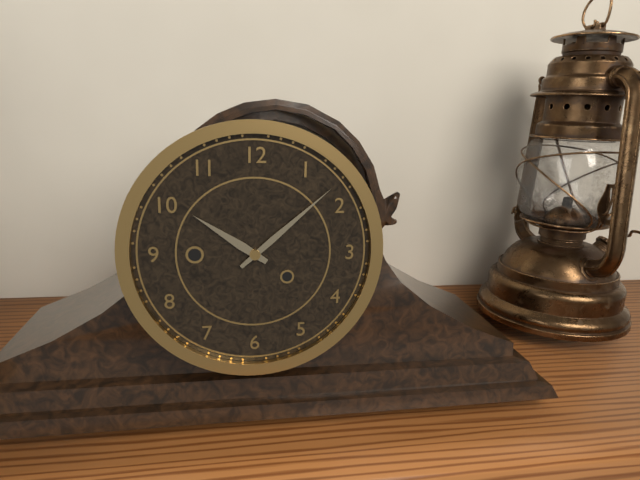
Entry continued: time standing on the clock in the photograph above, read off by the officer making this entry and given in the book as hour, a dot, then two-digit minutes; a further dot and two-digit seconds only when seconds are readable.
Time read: 10.08
